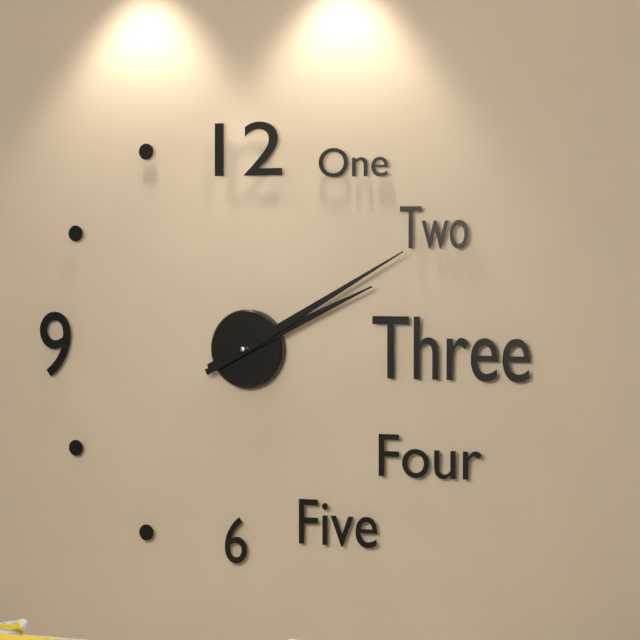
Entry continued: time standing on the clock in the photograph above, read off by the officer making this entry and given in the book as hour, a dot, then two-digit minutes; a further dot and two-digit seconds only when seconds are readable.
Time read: 2.10
